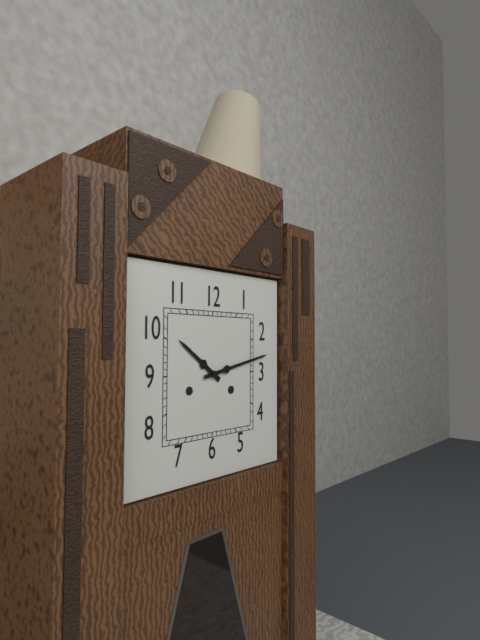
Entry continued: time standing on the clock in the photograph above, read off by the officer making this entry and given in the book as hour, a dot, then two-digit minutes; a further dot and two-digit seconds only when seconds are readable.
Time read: 10.13
